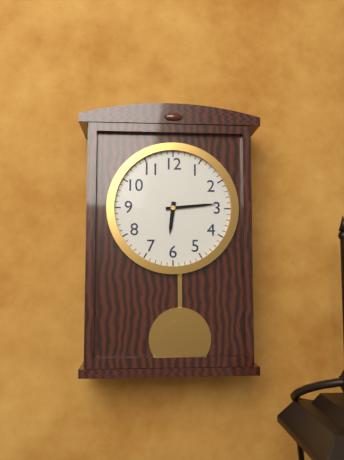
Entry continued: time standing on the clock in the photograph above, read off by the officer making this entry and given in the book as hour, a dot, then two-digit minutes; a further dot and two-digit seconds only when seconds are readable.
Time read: 6.14
